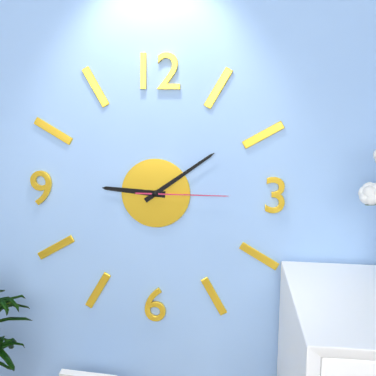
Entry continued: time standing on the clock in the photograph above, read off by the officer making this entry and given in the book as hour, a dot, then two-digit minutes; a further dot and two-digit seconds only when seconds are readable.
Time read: 9.09.15
